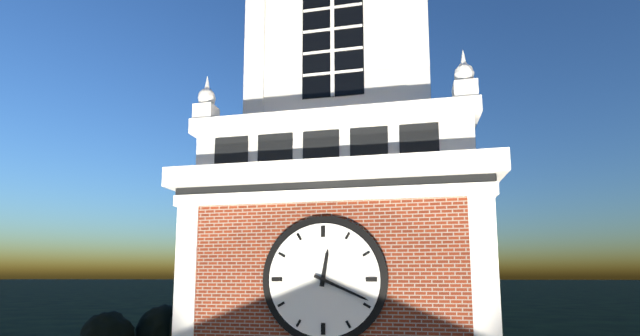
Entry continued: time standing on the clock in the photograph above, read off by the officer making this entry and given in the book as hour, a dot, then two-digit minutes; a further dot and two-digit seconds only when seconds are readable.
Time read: 12.19
